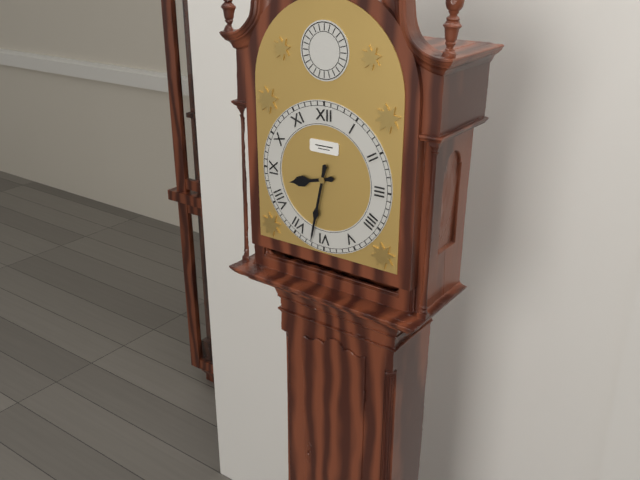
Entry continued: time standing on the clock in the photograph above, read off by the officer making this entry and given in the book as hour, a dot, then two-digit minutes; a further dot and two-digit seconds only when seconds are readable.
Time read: 8.32
